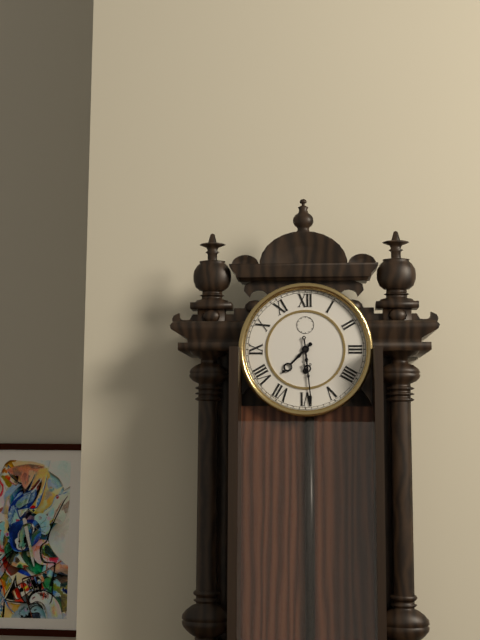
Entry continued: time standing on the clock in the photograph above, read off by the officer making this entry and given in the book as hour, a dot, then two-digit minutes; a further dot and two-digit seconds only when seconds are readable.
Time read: 7.29
